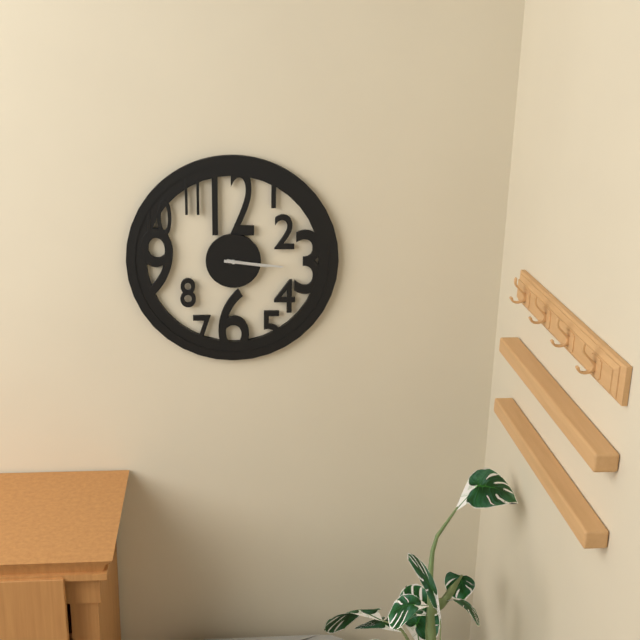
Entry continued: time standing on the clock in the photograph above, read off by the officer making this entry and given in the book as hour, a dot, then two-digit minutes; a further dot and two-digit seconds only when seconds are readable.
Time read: 3.16
